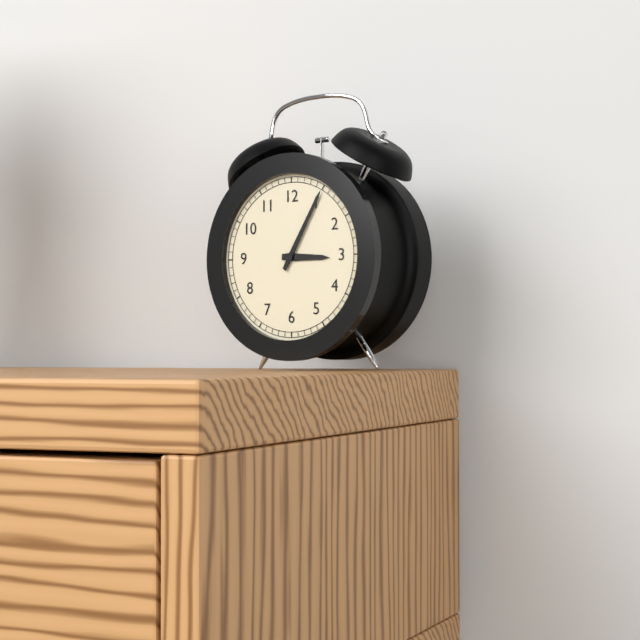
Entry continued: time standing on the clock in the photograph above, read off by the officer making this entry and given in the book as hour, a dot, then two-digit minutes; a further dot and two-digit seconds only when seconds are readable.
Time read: 3.05
